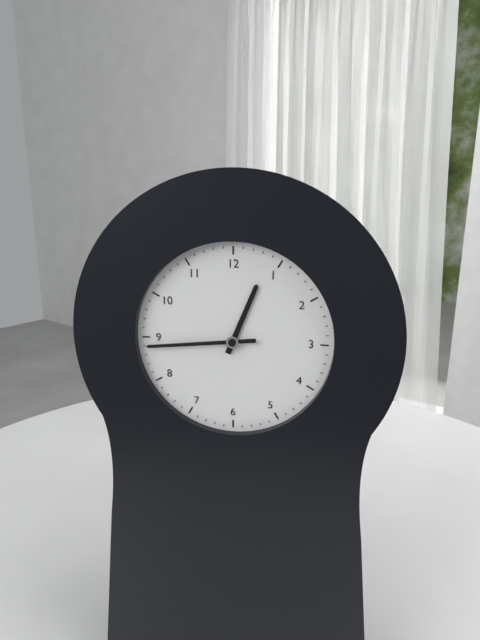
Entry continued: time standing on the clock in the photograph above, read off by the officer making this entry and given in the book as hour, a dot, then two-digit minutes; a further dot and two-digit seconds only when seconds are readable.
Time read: 12.44
